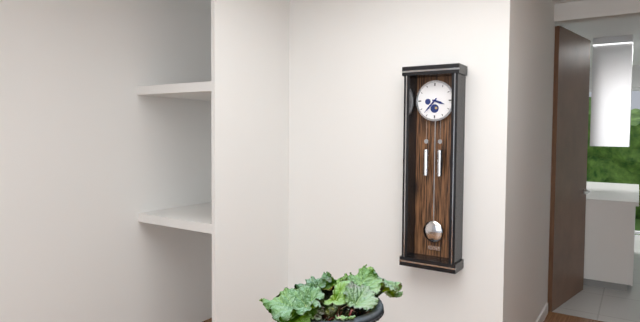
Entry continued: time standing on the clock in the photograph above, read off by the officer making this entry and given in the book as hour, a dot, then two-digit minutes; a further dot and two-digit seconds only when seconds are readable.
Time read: 3.37
